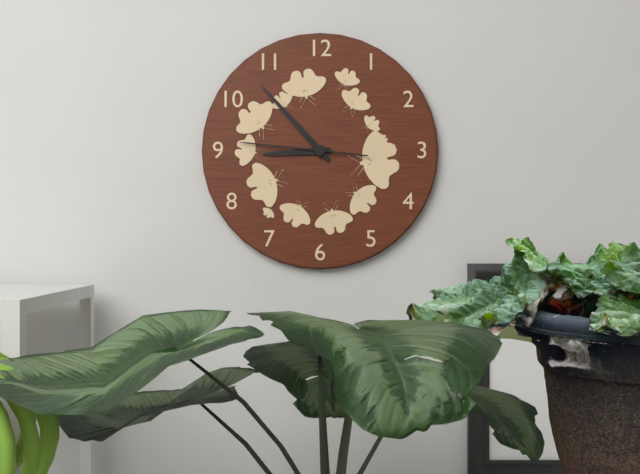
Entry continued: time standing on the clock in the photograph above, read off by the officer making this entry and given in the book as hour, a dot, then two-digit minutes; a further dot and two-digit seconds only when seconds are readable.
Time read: 8.53.46
